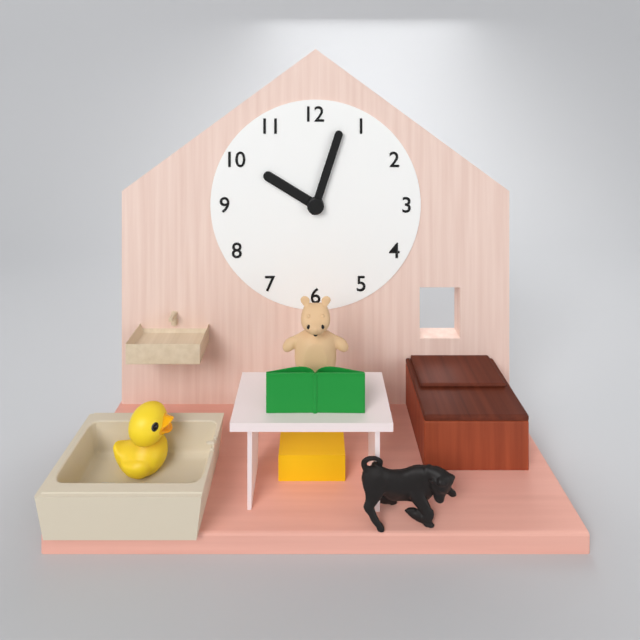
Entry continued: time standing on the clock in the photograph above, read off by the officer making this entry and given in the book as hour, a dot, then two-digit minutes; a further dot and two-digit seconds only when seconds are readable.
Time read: 10.03
